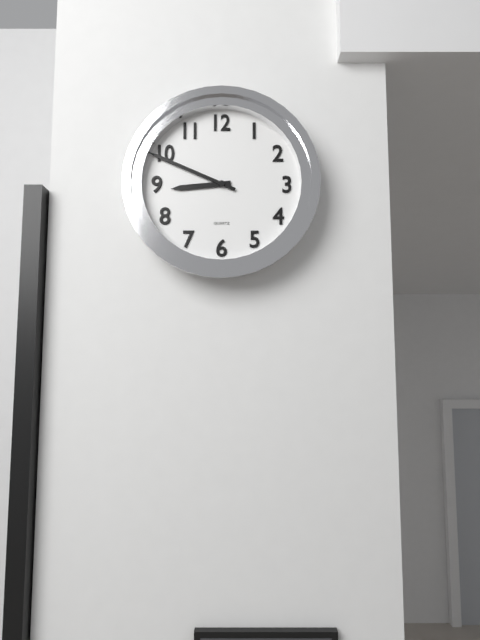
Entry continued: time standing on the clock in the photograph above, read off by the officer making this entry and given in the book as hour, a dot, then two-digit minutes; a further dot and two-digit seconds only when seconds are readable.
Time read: 8.49
